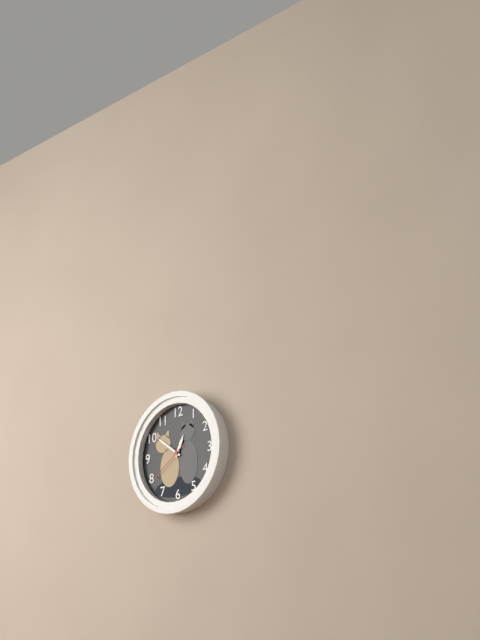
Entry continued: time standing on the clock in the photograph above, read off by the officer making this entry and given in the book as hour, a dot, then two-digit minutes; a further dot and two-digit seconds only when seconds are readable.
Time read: 12.51
